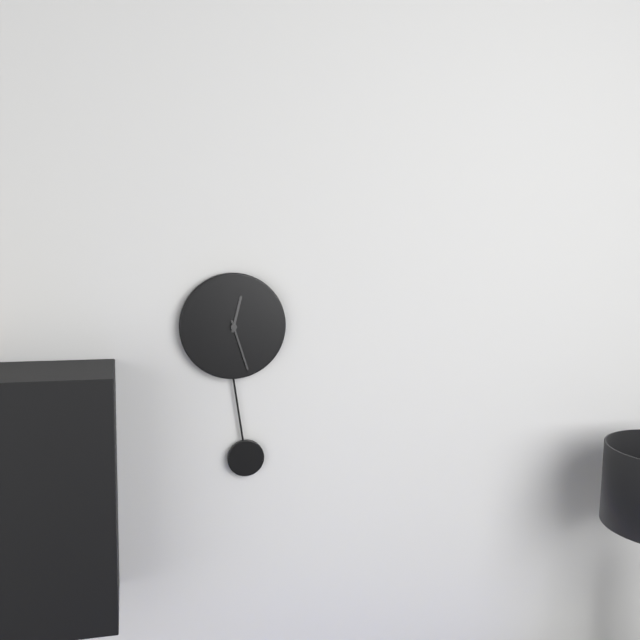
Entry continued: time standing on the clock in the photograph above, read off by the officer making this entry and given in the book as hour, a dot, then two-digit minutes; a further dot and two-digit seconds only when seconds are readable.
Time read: 12.27
